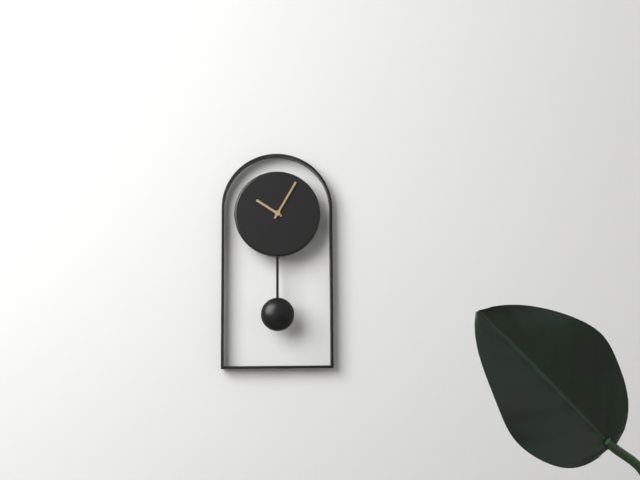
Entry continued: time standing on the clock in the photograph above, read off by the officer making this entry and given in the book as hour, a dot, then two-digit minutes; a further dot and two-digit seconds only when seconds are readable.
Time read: 10.05
